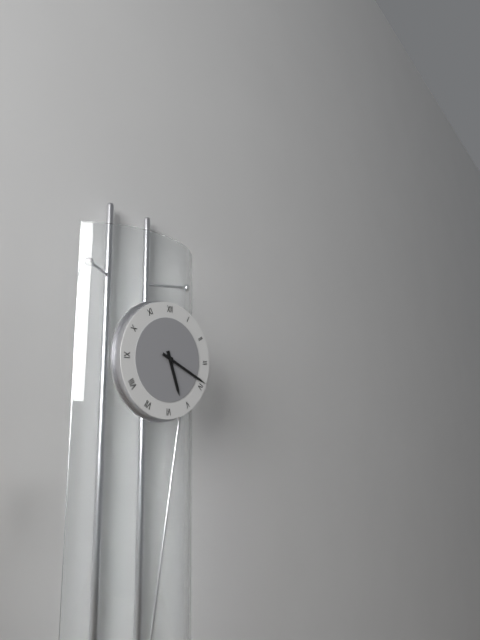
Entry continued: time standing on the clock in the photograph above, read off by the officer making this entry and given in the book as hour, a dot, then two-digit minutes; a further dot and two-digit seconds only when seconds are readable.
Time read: 5.19
